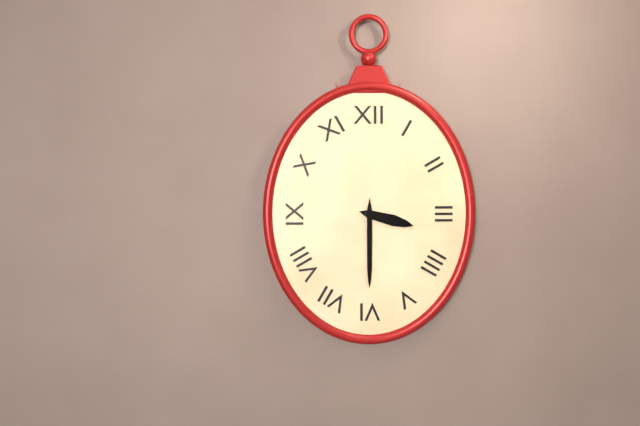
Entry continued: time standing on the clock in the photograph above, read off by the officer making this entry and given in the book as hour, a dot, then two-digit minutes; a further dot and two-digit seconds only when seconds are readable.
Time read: 3.30
